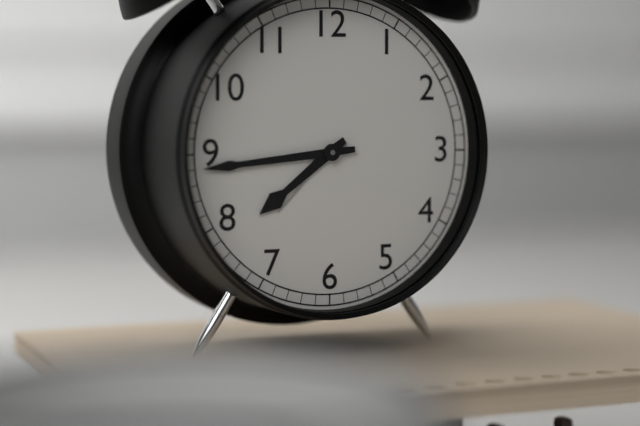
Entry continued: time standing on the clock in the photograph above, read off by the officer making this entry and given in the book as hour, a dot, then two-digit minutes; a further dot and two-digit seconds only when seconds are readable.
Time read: 7.44
